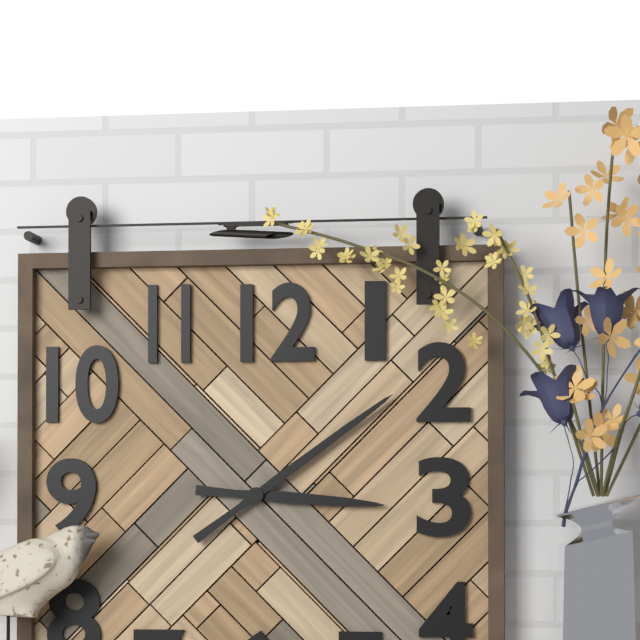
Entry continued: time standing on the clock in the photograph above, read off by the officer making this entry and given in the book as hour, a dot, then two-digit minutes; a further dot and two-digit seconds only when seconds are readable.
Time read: 3.09
